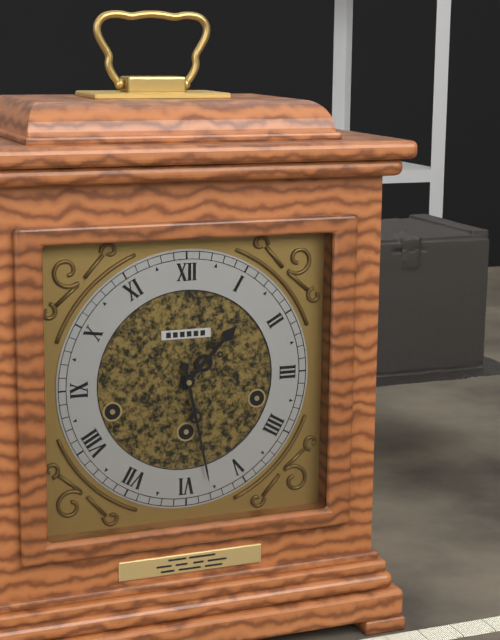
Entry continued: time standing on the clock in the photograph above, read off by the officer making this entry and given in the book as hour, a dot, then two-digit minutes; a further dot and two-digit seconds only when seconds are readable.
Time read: 1.28
